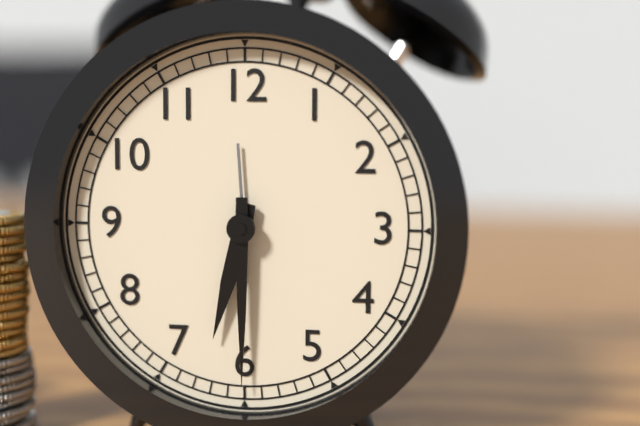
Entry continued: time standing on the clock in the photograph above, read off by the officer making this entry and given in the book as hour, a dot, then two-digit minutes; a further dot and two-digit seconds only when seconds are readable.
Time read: 6.30
